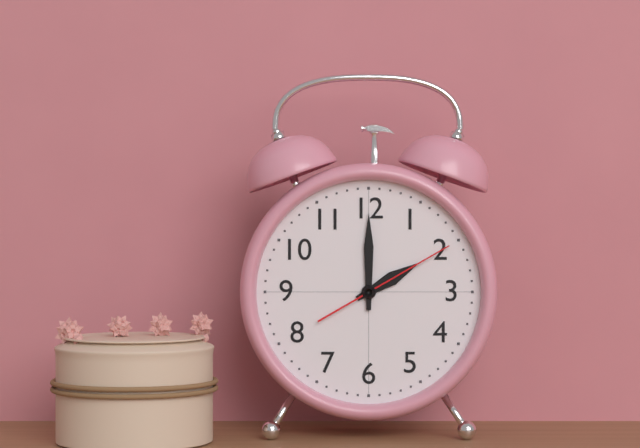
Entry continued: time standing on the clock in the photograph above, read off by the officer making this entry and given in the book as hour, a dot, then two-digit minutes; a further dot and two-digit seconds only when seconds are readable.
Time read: 2.00.10
